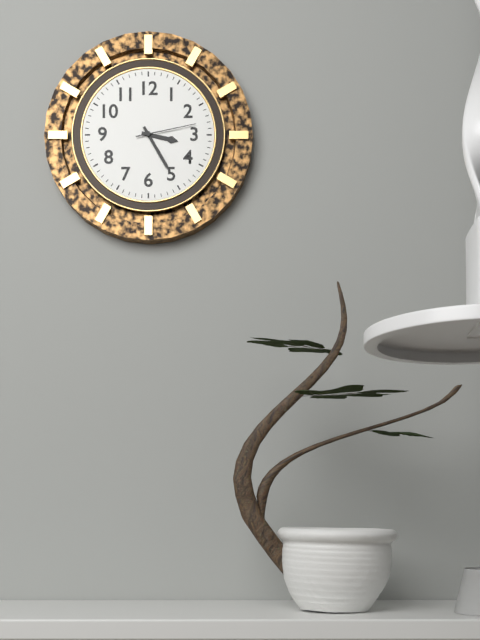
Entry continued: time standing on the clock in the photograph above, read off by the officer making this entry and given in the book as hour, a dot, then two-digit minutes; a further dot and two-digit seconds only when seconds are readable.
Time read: 3.25.13
